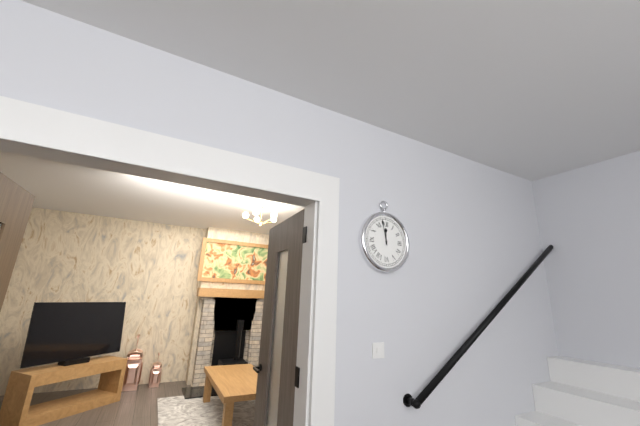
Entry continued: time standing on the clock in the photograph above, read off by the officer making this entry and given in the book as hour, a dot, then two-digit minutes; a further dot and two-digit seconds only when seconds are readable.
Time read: 11.58
